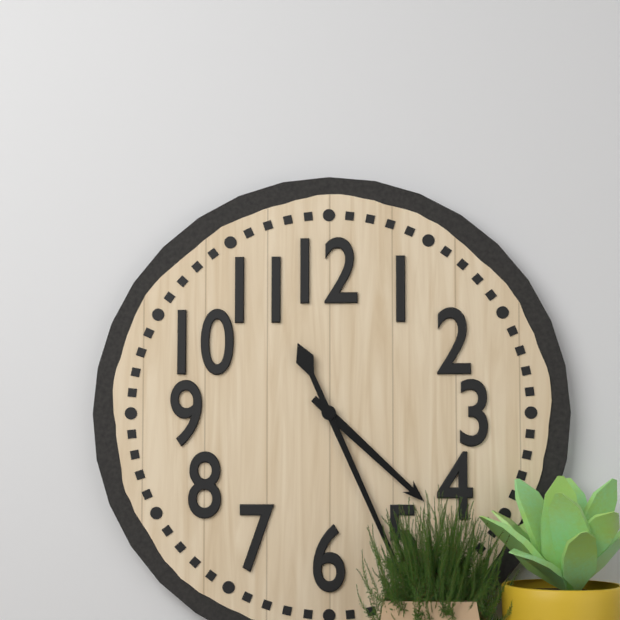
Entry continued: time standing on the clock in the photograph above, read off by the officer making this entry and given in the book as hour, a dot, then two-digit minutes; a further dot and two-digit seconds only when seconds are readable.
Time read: 4.26
